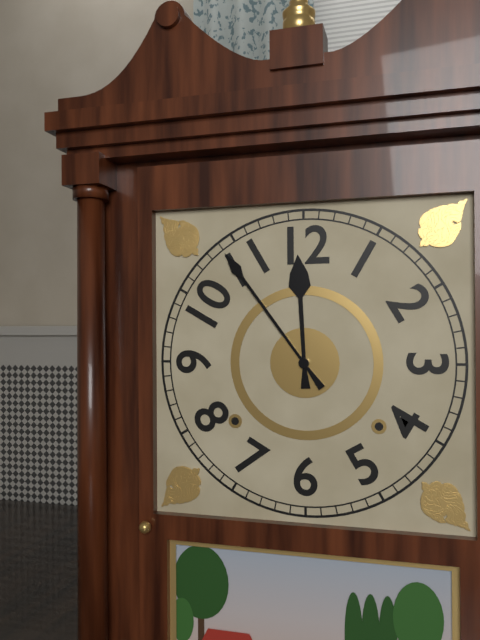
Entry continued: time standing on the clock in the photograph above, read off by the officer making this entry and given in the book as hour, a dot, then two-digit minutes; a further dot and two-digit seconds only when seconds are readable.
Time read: 11.54
